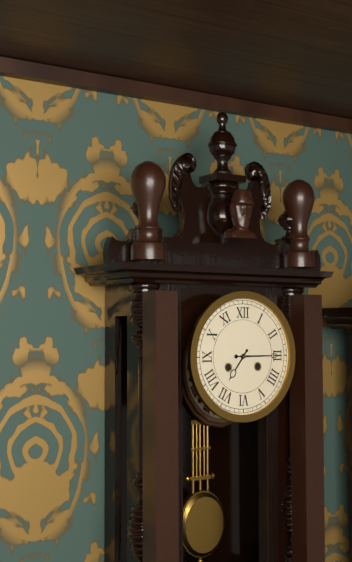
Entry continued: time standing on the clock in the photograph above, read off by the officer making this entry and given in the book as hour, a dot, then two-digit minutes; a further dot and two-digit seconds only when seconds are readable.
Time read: 7.15
